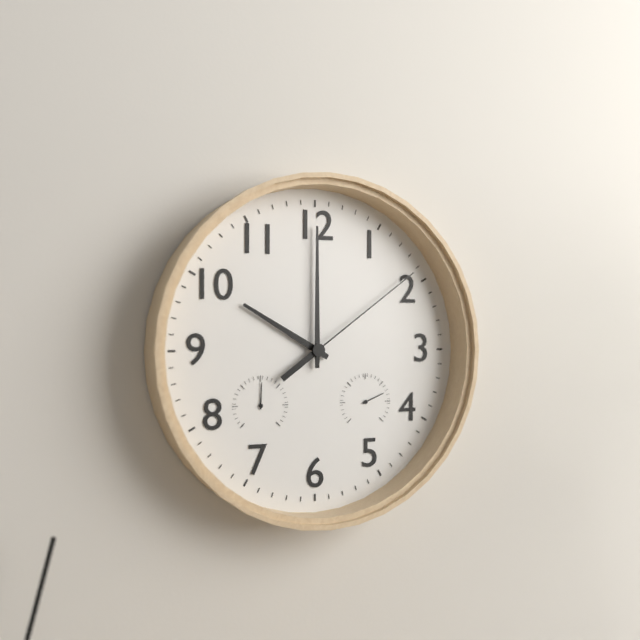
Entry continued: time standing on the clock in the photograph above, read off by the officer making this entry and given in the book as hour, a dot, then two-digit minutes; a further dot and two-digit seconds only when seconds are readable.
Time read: 10.00.09
